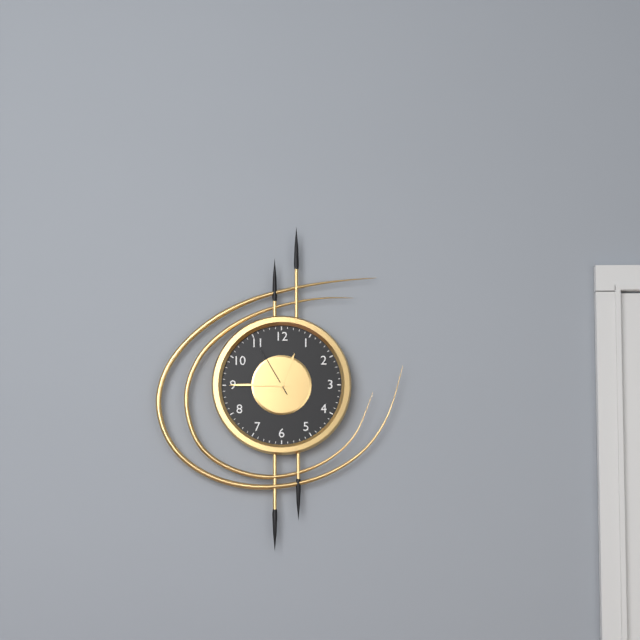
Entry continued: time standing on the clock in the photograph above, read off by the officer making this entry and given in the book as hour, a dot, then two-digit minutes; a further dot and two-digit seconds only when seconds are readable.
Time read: 12.45.55
